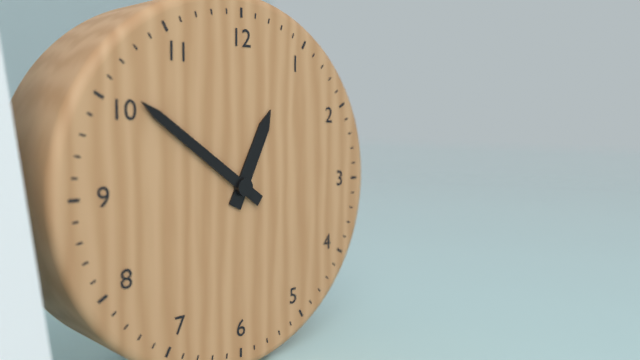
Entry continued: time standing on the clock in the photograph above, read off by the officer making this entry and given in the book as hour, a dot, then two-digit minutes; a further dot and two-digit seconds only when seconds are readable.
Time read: 12.51
